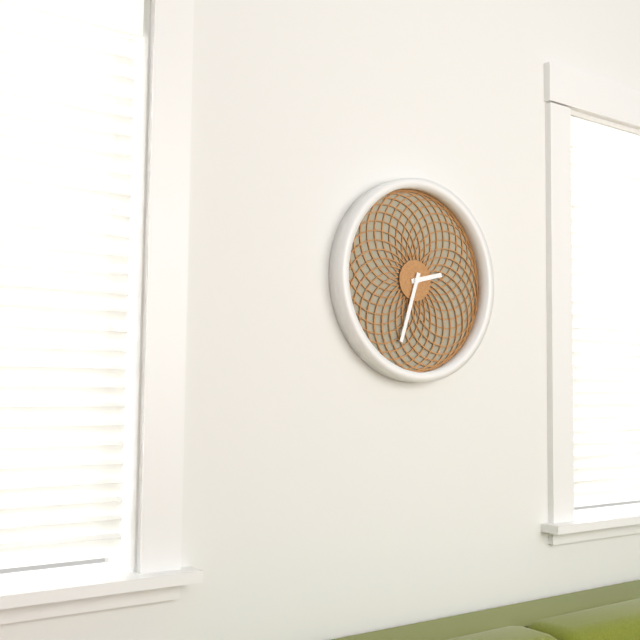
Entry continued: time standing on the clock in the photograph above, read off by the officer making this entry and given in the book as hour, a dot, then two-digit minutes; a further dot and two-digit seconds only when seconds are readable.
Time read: 2.33
